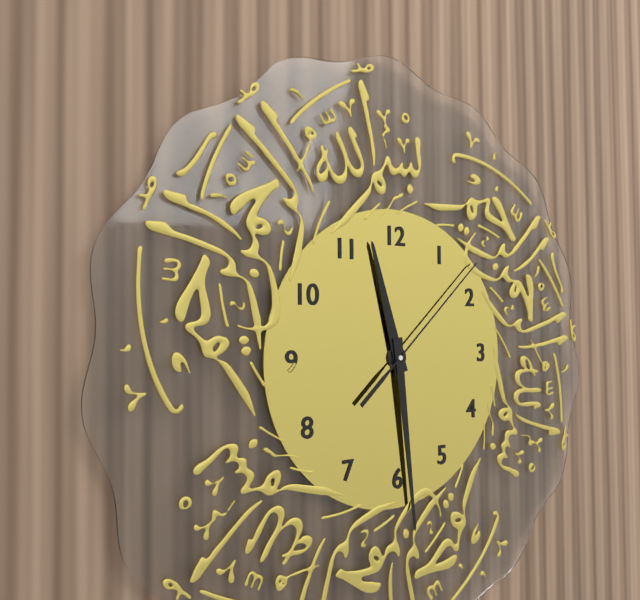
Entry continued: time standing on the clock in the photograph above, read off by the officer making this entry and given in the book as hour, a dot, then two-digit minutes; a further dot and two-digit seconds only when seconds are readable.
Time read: 11.29.08
